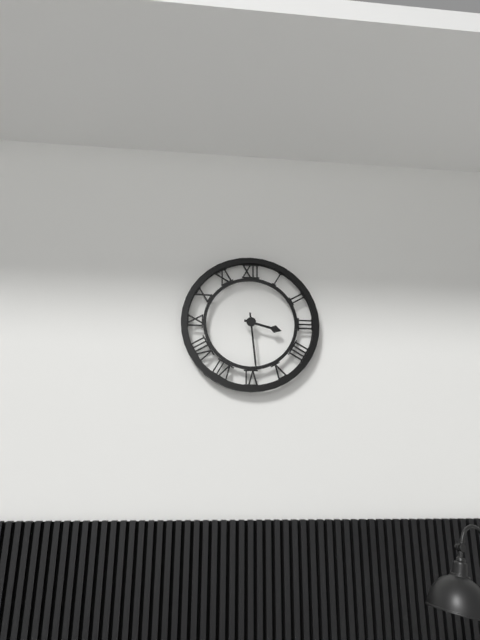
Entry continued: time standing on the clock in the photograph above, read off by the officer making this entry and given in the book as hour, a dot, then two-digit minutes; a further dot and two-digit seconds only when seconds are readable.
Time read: 3.29
